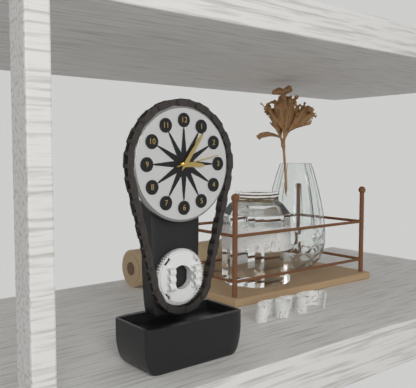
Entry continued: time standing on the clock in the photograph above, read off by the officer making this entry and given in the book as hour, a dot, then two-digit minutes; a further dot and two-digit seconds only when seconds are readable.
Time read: 3.06
